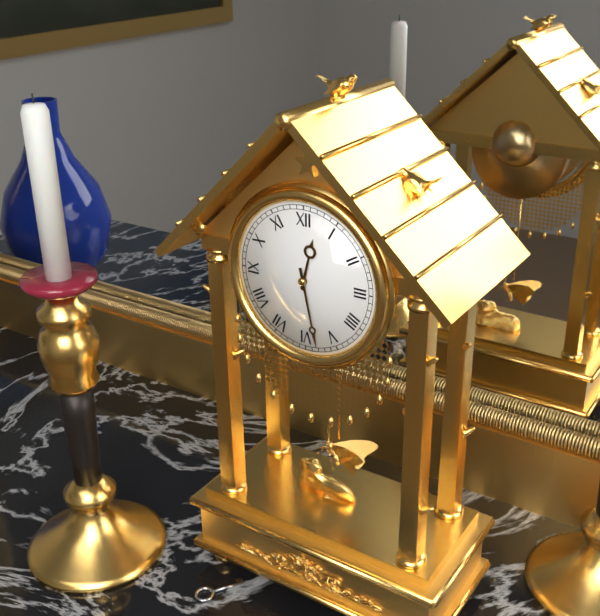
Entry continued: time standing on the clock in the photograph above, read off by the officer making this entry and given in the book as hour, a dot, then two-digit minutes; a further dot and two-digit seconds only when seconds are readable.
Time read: 12.28
